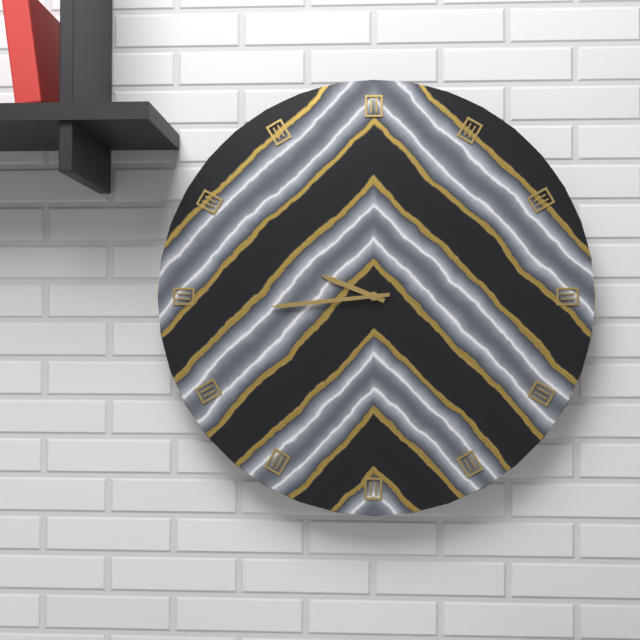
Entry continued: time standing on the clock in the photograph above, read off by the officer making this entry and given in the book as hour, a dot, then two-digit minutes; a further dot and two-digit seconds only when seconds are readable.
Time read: 9.44
